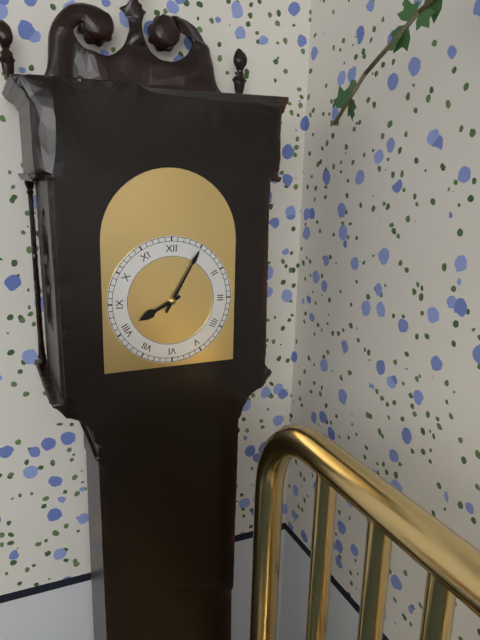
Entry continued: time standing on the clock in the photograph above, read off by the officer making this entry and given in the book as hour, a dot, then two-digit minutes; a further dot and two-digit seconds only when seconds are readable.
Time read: 8.05
